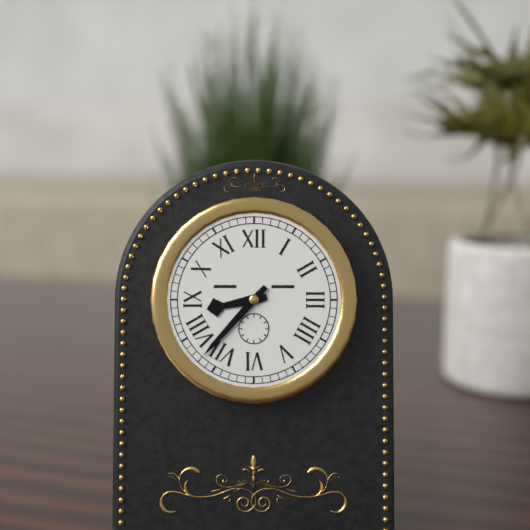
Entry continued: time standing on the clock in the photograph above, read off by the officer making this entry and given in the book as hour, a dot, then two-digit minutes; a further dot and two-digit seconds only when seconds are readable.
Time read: 8.37
